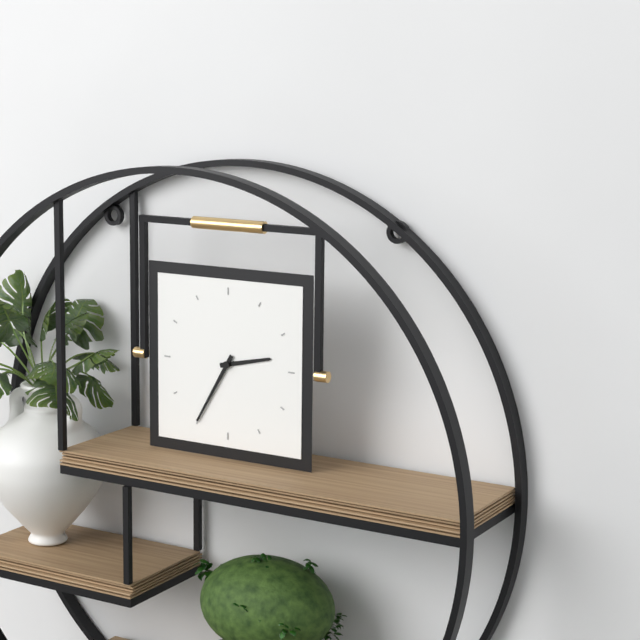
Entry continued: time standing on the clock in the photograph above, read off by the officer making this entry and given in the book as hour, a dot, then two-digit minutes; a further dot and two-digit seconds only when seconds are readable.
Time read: 2.35
